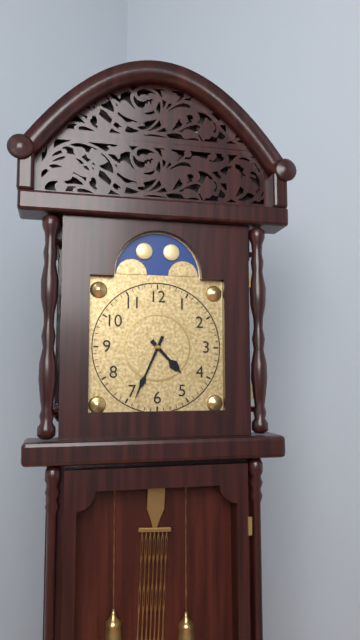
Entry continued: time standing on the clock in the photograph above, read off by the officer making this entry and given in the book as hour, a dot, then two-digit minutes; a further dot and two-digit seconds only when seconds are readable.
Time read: 4.34
